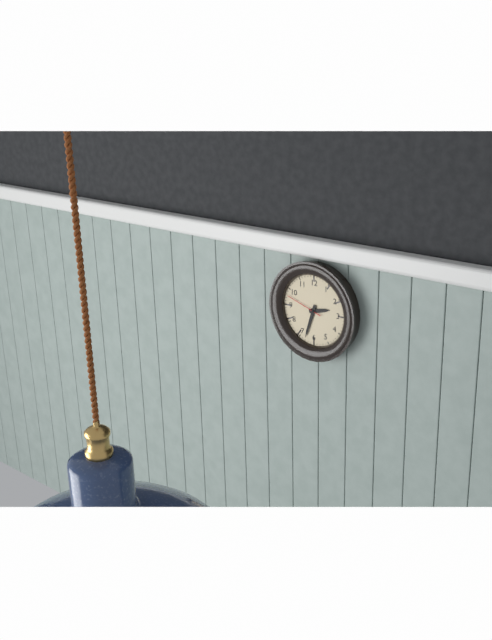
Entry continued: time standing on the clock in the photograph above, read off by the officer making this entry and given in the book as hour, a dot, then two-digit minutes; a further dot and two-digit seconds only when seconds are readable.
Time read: 2.33
